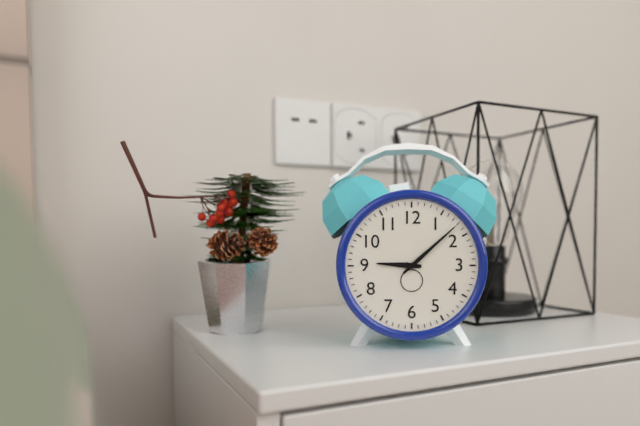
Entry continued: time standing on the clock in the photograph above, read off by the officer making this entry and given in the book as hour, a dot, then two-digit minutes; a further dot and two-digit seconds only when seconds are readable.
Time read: 9.08
